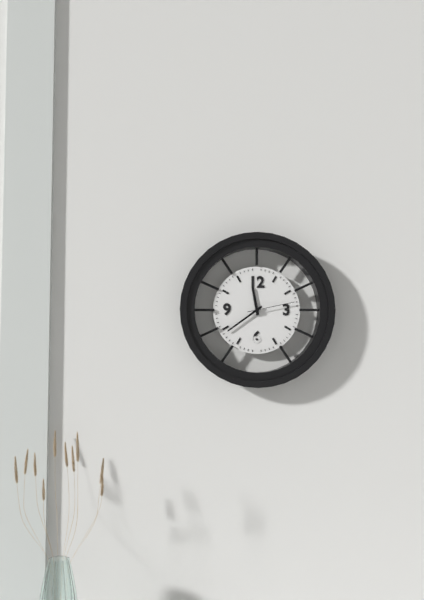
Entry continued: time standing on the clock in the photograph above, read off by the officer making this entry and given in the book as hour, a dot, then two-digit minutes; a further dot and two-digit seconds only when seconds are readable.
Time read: 11.39
